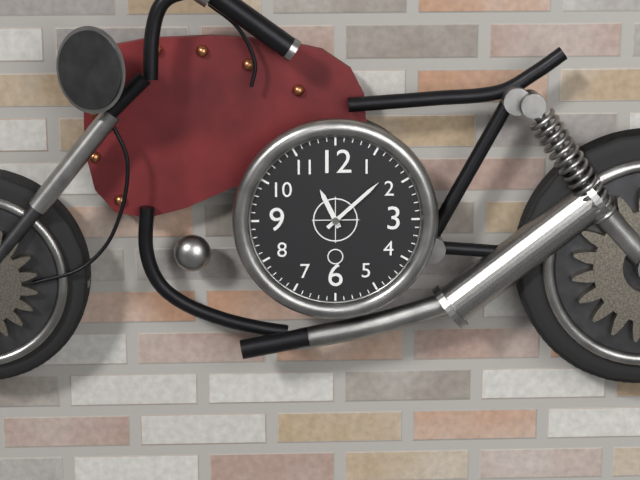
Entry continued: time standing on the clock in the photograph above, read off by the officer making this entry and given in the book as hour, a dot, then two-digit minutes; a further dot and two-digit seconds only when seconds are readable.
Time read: 11.08
